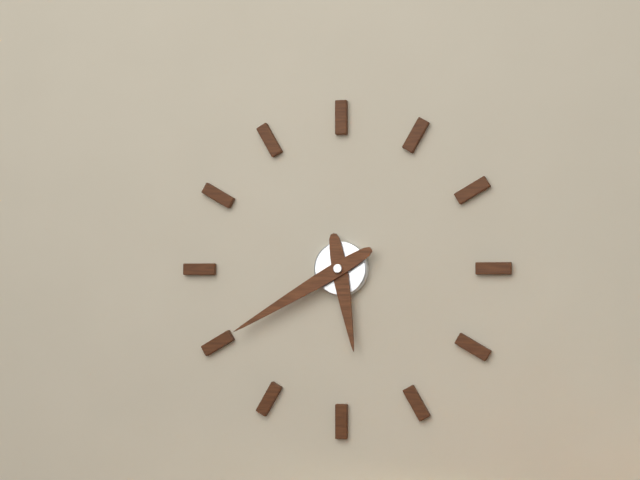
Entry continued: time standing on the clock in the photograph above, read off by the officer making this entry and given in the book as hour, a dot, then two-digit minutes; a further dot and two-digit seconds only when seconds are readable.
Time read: 5.40
